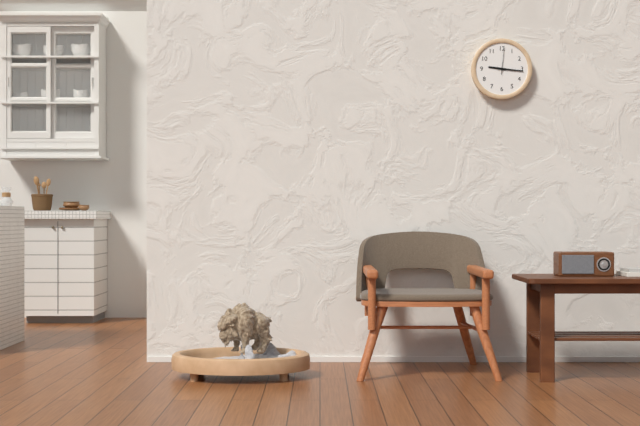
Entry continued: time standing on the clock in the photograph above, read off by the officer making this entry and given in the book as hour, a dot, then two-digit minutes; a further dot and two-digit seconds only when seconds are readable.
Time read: 9.16
